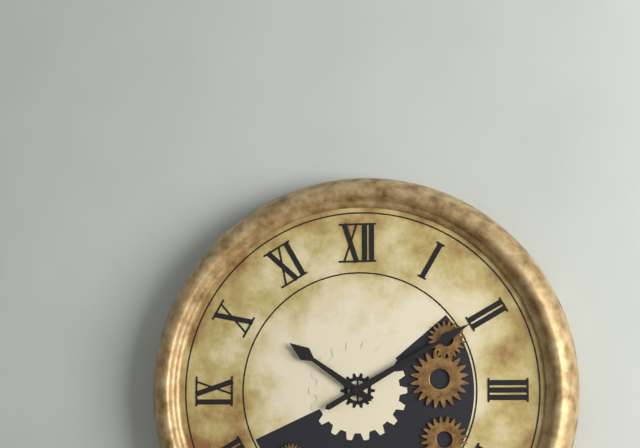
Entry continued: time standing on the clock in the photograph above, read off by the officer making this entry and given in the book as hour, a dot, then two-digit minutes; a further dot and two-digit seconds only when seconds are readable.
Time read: 10.10
